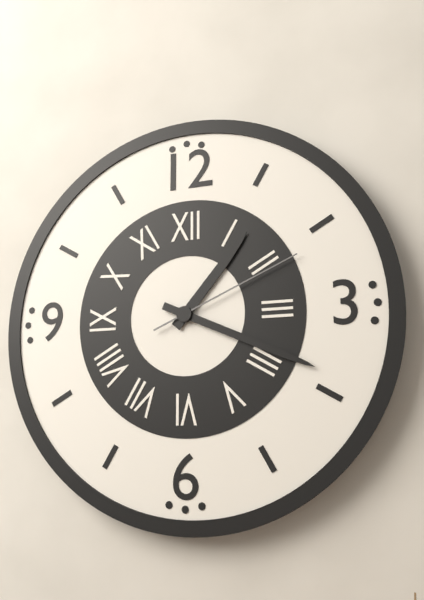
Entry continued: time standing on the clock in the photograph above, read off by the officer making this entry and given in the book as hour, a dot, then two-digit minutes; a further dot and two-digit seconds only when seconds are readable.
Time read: 1.19.11
